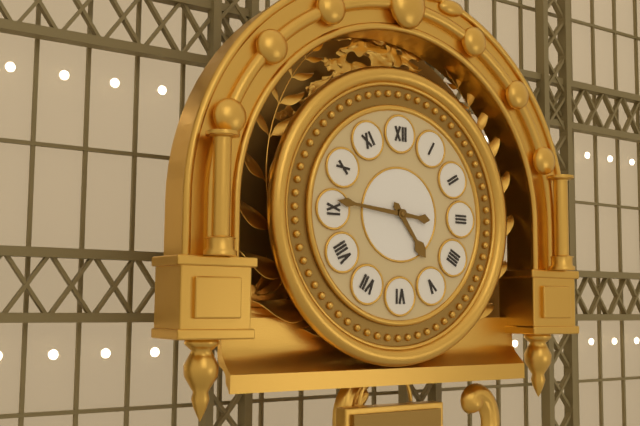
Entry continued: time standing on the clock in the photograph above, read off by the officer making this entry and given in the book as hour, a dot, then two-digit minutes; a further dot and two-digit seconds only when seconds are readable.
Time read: 4.46
